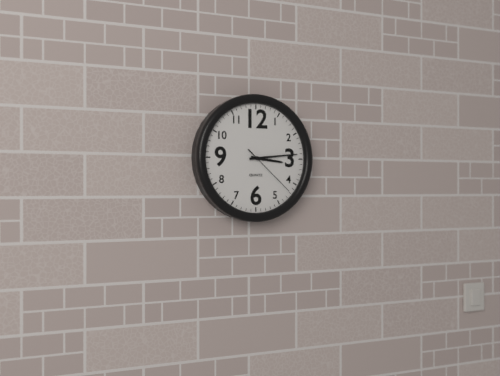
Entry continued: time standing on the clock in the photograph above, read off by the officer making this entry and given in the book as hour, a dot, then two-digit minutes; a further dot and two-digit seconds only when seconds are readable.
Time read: 3.14.22
